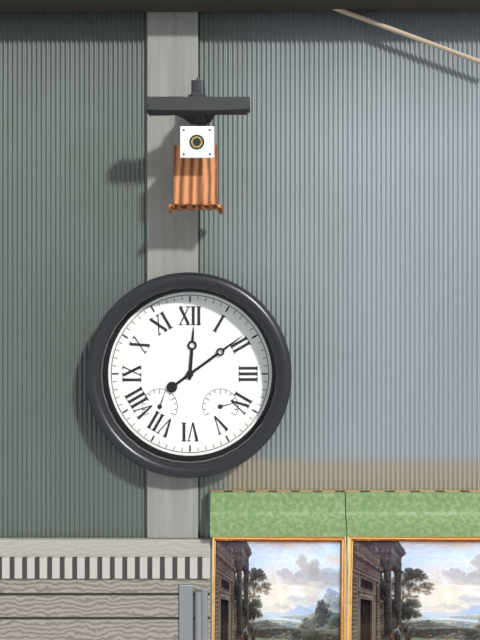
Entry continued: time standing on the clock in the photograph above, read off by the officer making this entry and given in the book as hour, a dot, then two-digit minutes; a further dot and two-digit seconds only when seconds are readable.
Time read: 12.09
